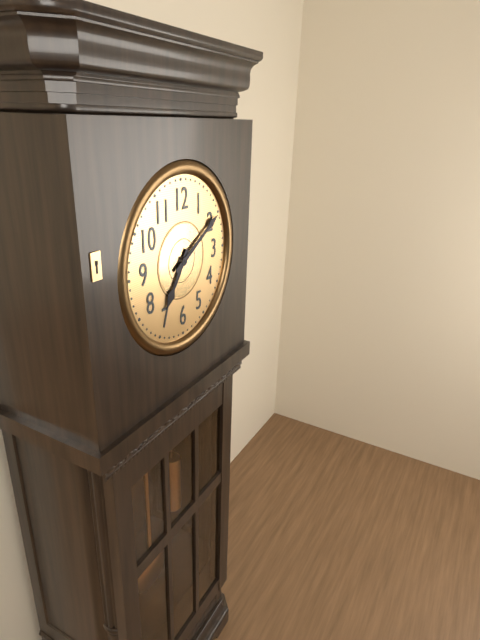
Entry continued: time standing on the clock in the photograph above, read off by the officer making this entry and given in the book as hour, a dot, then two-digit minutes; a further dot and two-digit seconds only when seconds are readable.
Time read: 7.10
